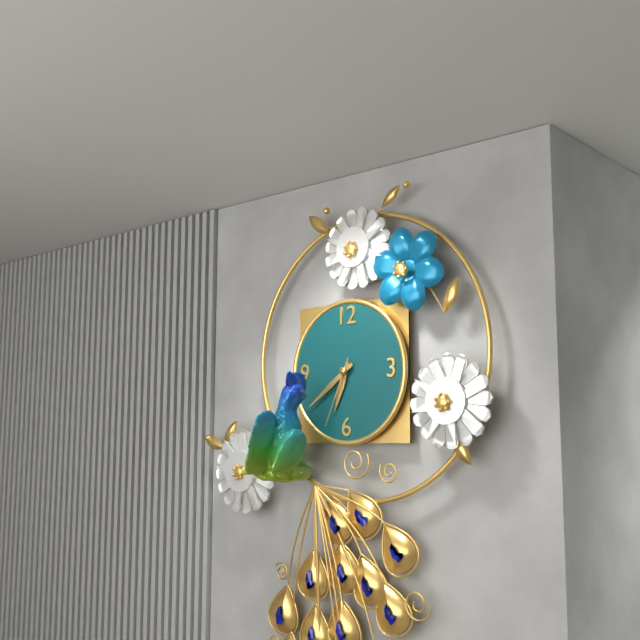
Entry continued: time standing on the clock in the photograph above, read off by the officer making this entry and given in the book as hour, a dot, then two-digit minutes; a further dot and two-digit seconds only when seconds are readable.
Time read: 6.39.34
